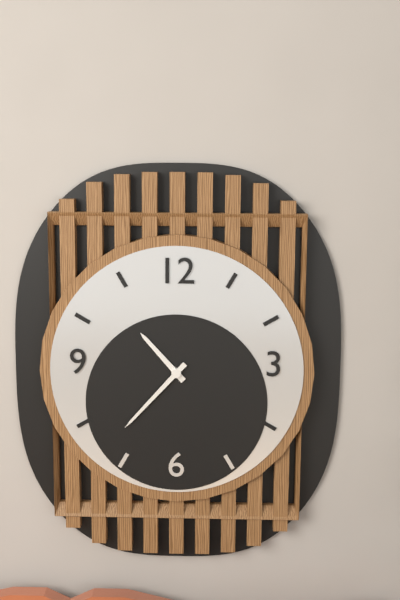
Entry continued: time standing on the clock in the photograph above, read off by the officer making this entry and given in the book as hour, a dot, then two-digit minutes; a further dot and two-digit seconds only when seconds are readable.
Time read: 10.37
